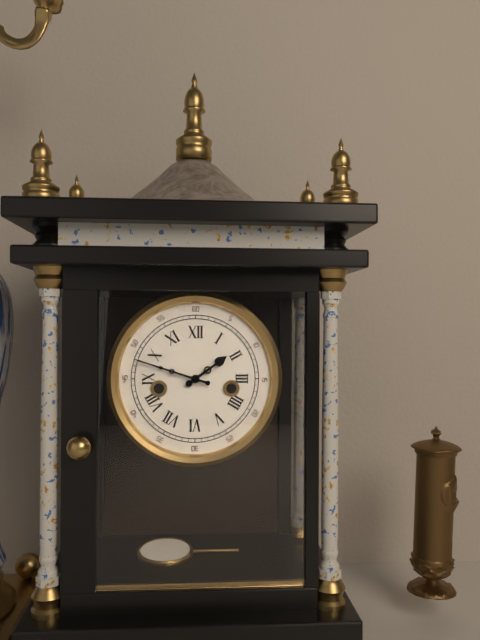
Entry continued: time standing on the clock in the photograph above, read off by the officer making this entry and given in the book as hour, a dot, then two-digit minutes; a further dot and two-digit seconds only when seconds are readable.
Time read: 1.48
